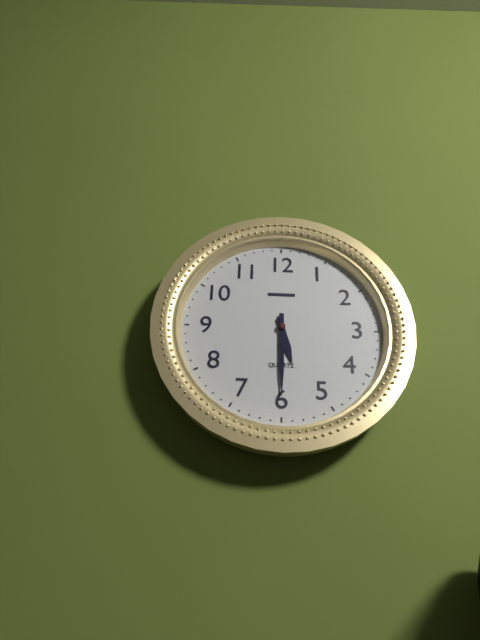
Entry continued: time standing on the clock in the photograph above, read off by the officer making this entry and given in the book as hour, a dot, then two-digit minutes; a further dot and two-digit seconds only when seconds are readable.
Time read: 5.30
